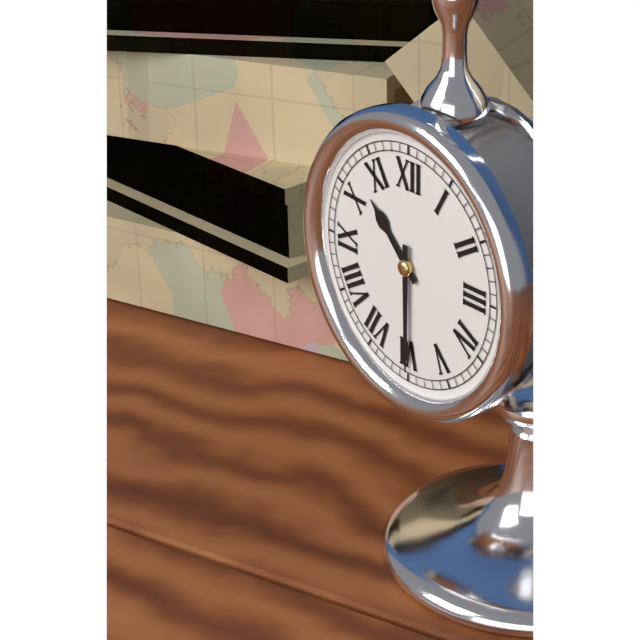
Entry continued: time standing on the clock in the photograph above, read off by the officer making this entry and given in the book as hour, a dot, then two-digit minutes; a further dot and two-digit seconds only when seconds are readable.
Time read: 10.30
